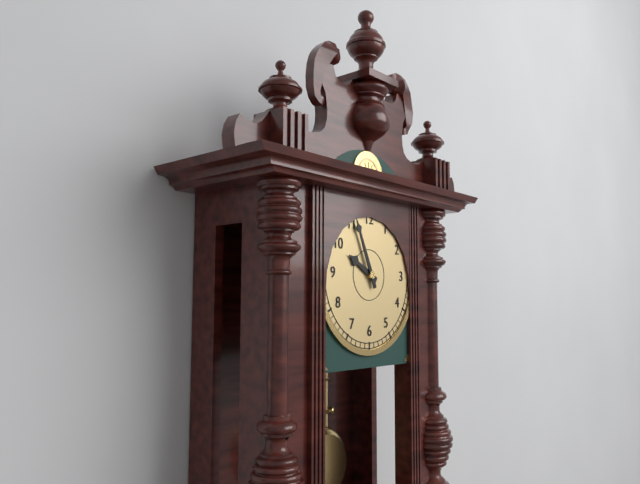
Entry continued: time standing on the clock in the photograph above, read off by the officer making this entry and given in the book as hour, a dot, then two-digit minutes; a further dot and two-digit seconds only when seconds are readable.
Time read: 9.56
